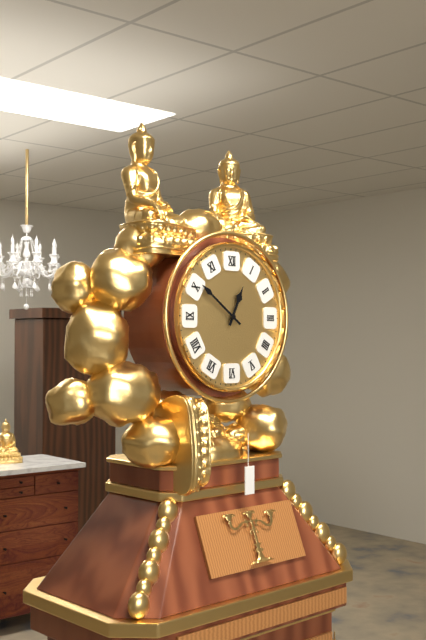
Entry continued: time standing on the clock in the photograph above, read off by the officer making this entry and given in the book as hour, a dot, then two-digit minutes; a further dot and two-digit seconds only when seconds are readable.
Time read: 12.51
